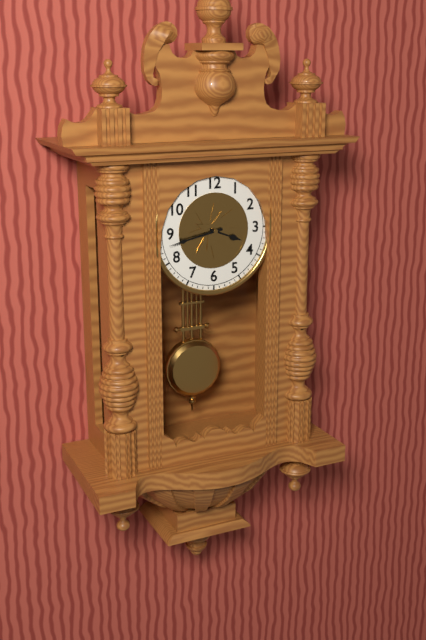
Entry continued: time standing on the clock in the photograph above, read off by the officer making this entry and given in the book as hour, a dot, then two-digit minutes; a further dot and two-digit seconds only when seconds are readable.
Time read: 3.43
